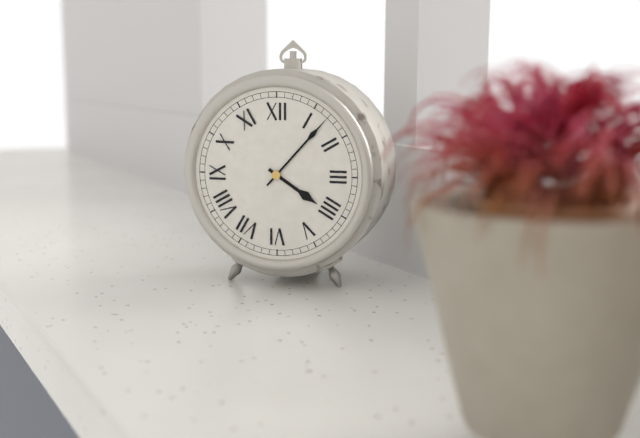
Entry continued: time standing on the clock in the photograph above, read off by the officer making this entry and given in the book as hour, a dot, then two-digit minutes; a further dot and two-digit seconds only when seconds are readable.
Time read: 4.07
